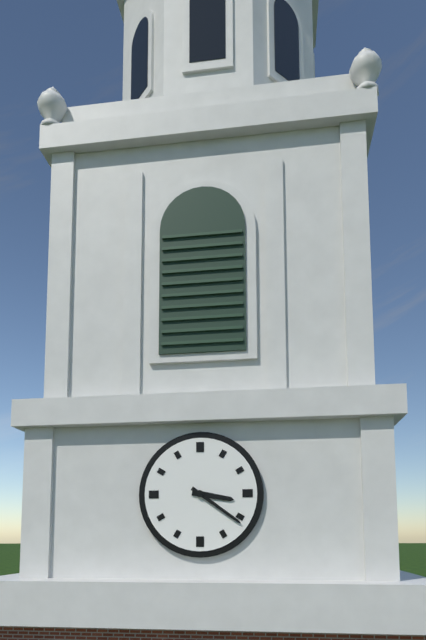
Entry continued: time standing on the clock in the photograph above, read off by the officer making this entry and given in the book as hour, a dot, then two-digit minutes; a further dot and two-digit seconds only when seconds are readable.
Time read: 3.21
